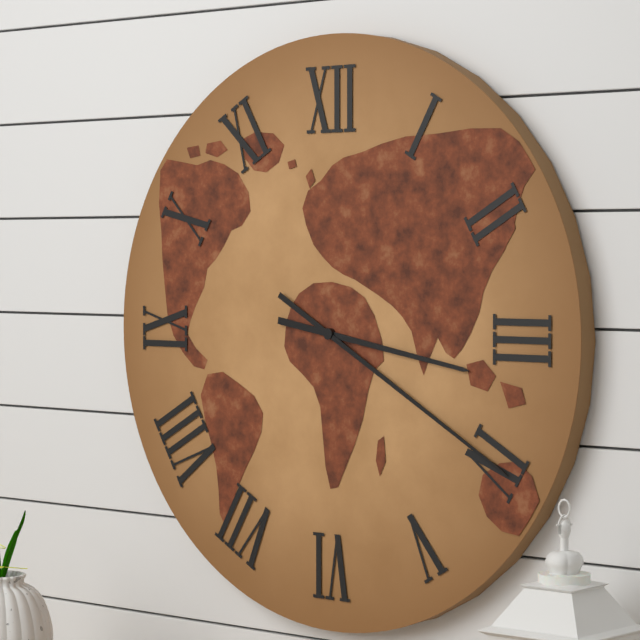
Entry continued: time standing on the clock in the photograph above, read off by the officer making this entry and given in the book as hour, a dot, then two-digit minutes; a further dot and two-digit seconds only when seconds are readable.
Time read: 3.20
